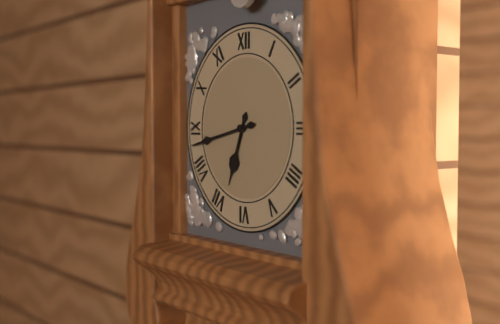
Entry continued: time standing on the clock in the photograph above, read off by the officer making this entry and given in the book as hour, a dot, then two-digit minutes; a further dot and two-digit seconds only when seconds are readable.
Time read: 6.43
